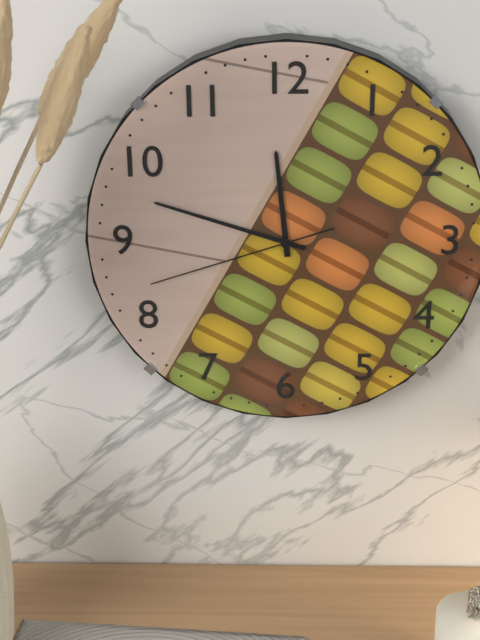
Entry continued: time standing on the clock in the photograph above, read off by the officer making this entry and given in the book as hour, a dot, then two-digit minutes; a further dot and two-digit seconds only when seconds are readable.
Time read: 11.48.42
